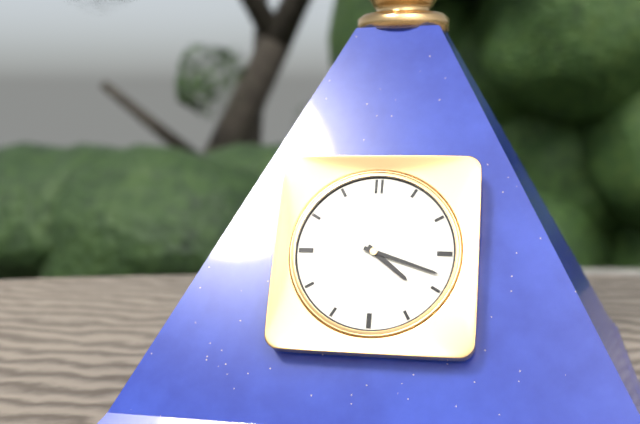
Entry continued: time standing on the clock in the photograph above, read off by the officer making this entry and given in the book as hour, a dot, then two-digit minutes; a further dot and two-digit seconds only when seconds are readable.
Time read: 4.18
